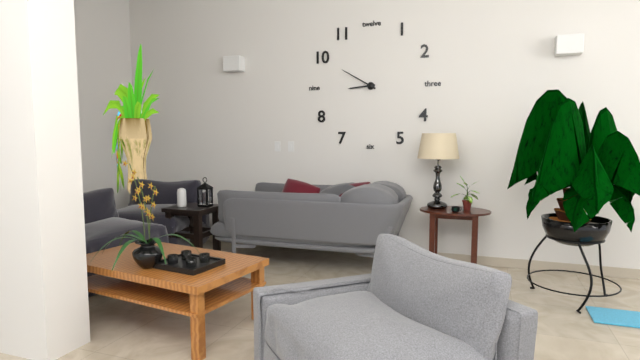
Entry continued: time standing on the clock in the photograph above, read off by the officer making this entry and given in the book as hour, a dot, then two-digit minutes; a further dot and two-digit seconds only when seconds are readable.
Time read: 8.50
